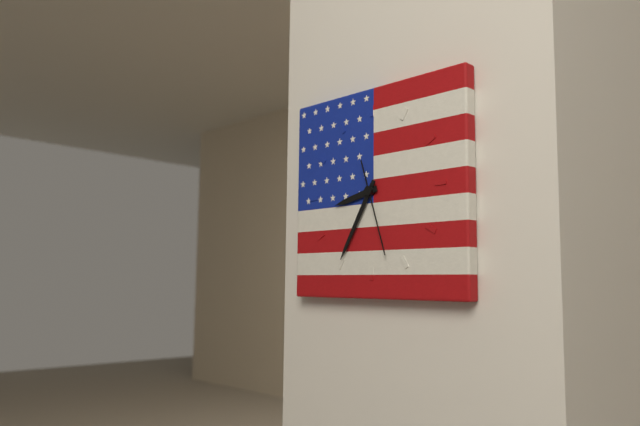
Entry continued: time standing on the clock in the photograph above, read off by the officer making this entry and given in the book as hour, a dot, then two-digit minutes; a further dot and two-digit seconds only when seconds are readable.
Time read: 8.35.27
